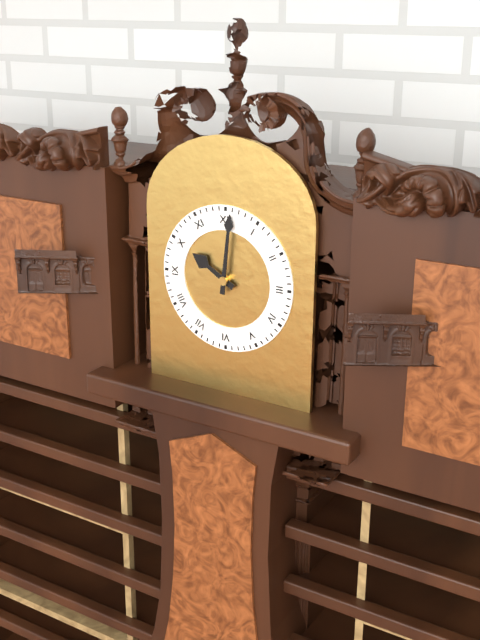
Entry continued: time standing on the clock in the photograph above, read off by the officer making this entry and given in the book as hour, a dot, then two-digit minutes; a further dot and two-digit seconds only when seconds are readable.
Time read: 10.01
